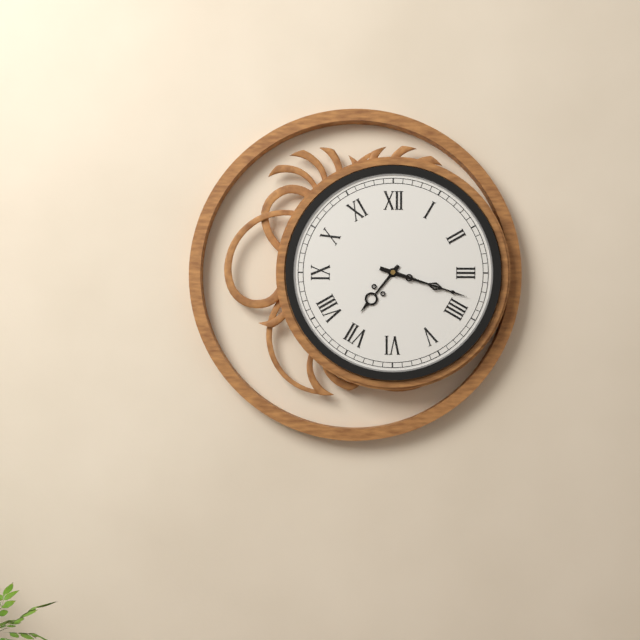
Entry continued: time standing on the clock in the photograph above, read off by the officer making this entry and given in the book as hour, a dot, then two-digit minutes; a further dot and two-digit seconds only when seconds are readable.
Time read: 7.18
